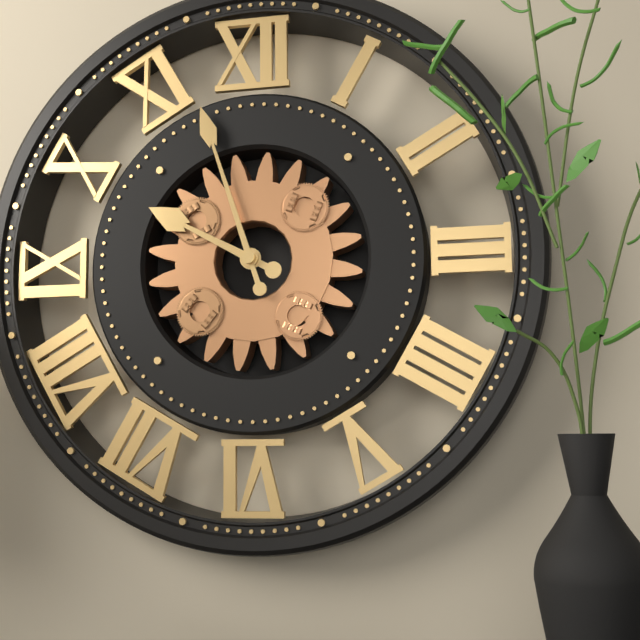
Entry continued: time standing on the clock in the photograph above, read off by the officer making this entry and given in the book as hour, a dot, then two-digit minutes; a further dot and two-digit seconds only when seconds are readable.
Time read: 9.57
